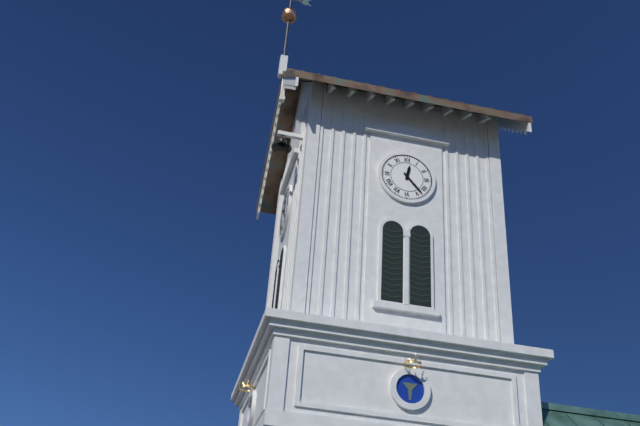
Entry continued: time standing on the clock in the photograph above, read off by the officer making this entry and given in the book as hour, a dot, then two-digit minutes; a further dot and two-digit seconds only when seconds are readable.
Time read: 12.23
